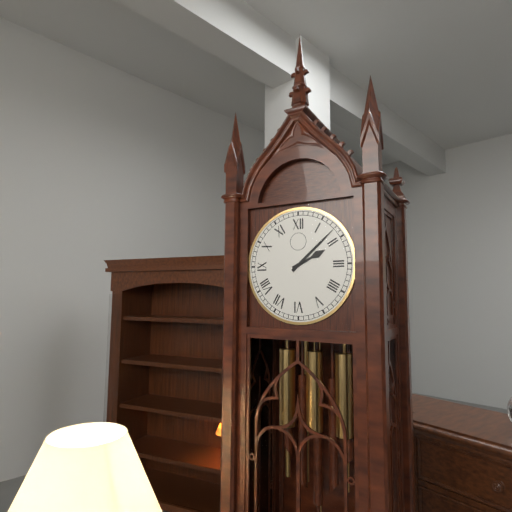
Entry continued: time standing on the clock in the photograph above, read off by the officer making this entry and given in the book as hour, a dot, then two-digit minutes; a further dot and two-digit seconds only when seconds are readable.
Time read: 2.08
